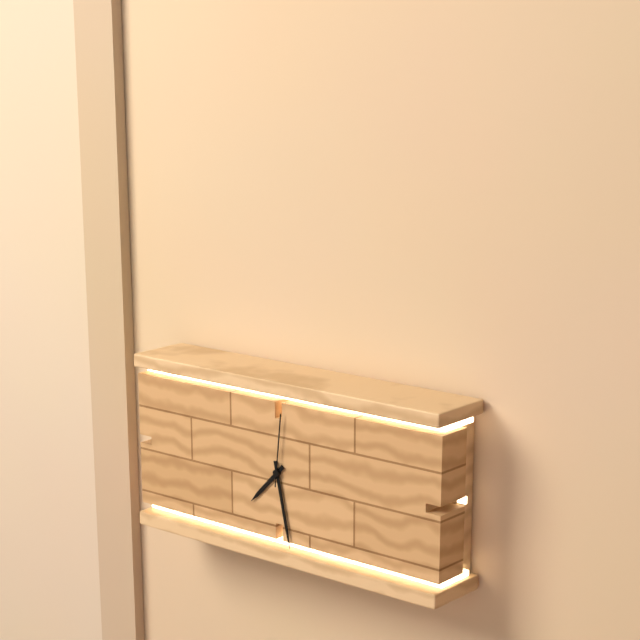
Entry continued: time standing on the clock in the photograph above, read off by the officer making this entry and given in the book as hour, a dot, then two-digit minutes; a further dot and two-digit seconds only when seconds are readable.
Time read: 7.28.01
